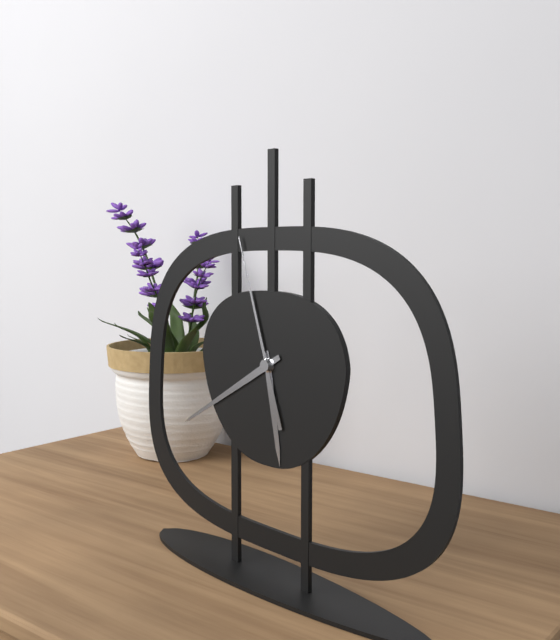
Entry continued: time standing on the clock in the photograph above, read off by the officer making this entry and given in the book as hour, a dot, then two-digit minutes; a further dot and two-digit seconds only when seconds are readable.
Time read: 5.40.57
